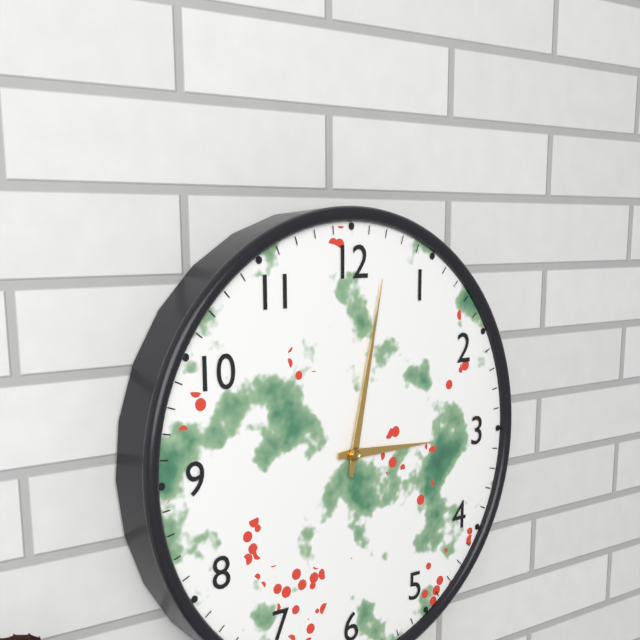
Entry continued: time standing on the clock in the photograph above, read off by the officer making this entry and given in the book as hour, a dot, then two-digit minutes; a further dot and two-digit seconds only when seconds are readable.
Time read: 3.02
